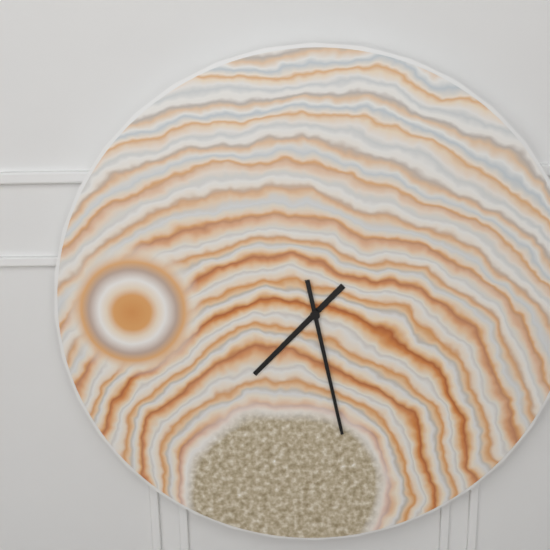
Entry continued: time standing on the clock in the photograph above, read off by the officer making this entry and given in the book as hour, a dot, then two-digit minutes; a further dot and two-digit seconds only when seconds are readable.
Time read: 7.28
